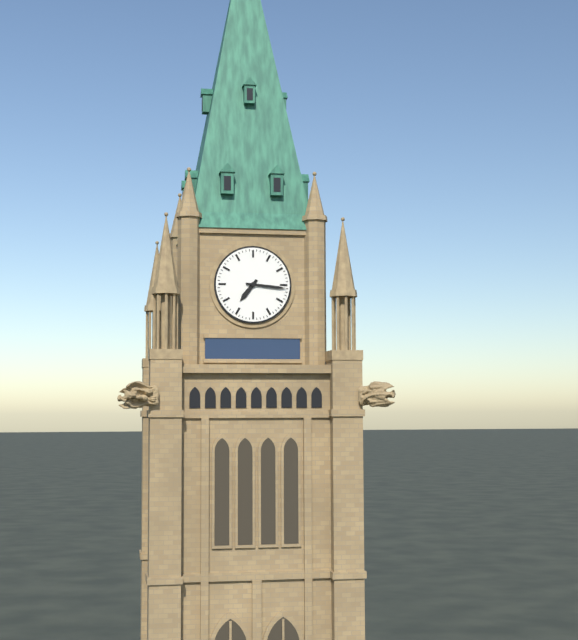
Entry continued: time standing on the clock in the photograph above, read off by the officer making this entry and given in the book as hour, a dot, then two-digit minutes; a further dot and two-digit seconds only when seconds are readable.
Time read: 7.16
